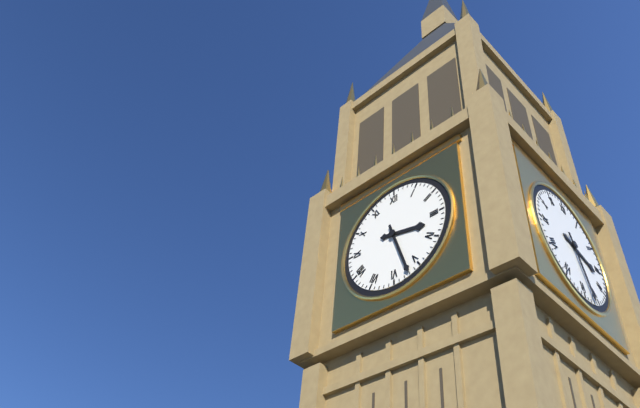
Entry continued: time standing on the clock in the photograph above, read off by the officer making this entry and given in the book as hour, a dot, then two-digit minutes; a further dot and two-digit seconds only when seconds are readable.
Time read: 3.27
